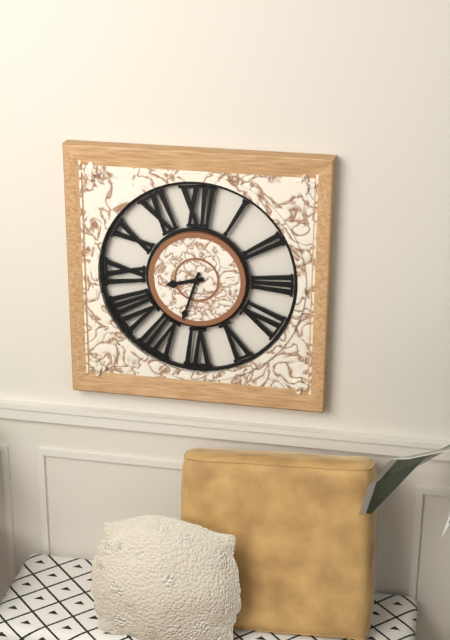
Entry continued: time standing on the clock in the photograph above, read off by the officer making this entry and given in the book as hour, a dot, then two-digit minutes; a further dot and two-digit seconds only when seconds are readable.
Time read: 8.33
